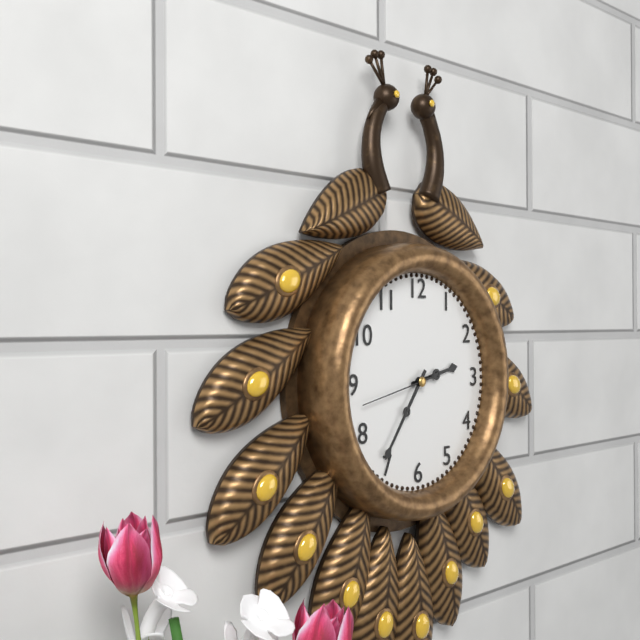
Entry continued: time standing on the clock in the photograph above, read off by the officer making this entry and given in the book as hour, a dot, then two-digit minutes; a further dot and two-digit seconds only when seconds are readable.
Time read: 2.36
